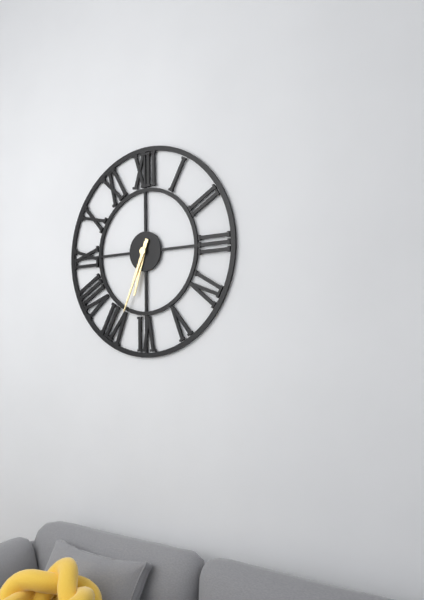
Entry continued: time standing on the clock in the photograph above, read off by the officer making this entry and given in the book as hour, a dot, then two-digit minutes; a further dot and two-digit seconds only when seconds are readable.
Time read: 6.34
